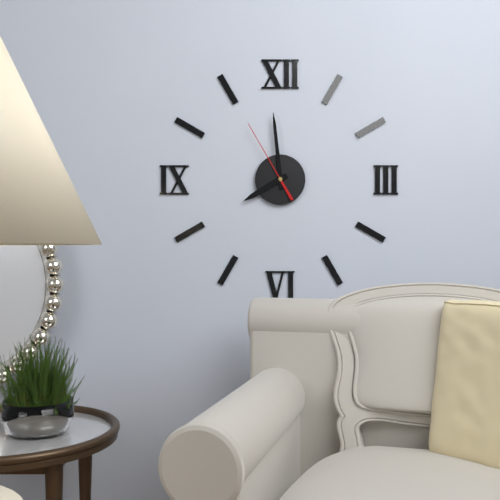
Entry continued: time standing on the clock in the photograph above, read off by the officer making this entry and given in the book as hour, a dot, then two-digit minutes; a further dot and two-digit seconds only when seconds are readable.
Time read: 7.59.55
